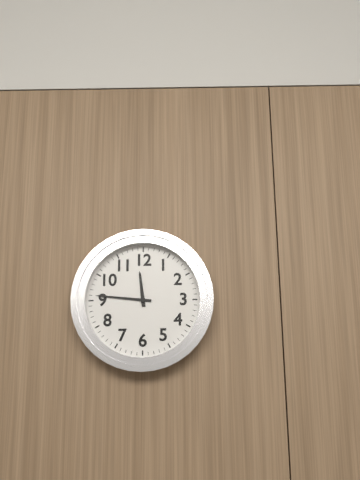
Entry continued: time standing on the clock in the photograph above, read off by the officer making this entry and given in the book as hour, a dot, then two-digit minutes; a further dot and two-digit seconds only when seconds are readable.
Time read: 11.46
